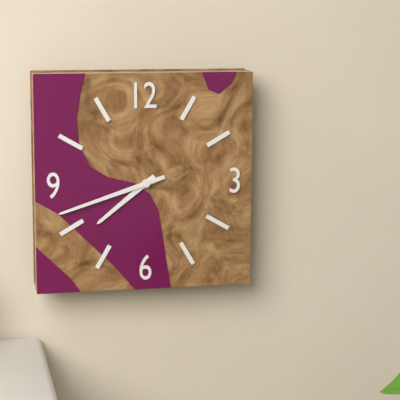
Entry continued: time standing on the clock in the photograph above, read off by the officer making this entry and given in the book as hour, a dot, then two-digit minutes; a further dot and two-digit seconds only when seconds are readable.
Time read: 7.42
